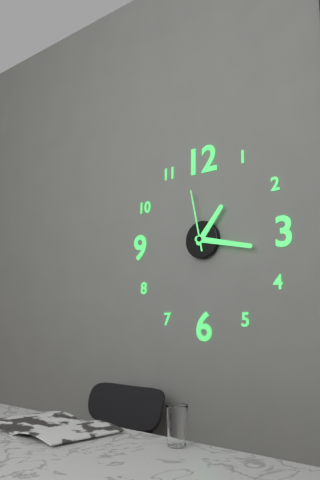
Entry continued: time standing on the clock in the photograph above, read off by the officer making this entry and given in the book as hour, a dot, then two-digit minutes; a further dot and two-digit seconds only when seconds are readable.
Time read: 1.17.58
